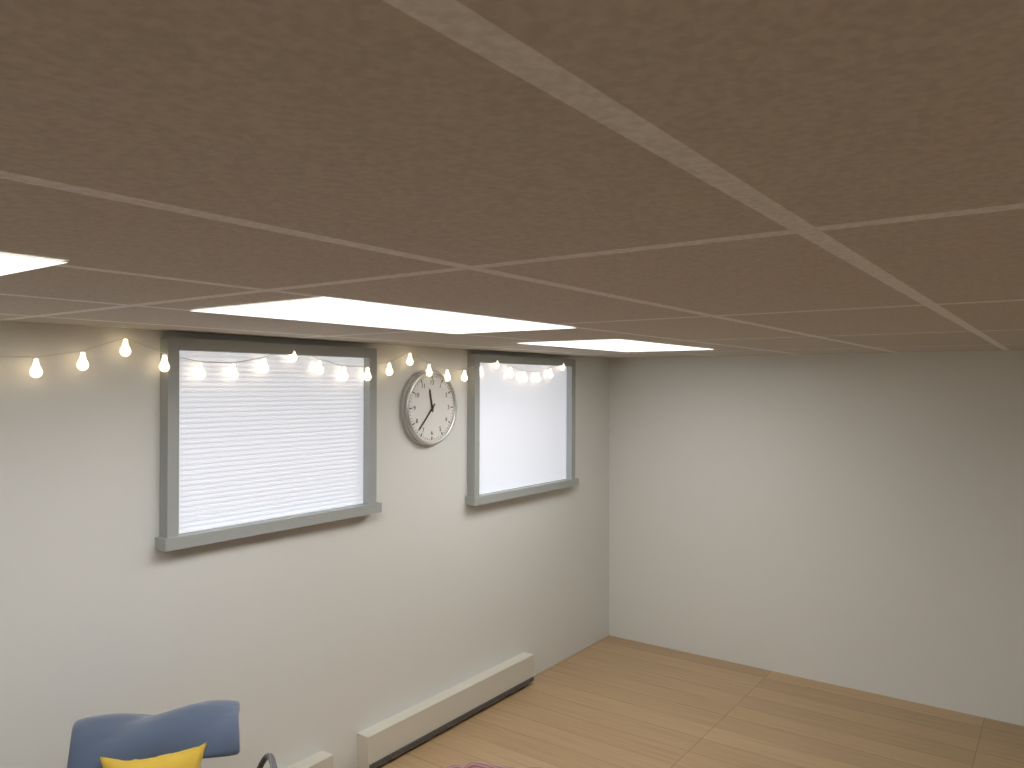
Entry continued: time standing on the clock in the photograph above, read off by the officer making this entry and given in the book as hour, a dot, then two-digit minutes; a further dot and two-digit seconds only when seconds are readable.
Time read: 11.37
